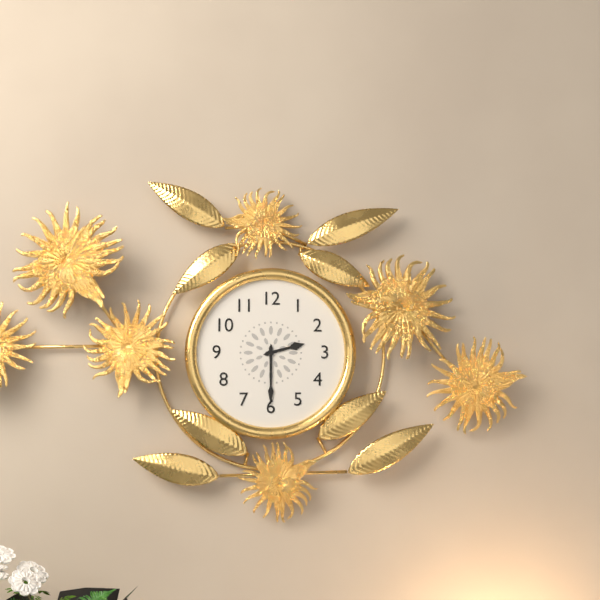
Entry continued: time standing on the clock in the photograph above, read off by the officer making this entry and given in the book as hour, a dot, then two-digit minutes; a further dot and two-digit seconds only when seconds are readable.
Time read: 2.30
